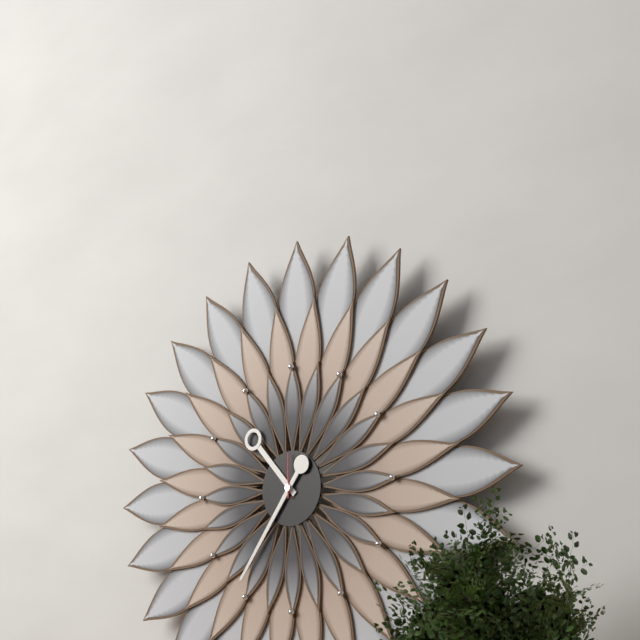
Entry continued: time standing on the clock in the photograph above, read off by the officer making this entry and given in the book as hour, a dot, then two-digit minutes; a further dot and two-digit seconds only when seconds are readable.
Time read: 10.36
